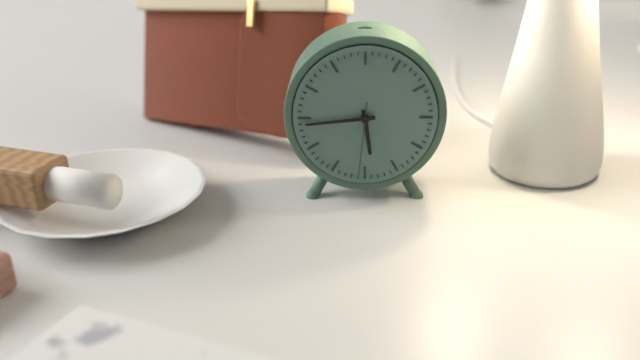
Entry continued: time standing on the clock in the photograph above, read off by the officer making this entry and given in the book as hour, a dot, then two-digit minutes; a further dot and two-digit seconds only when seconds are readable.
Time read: 5.44.31
